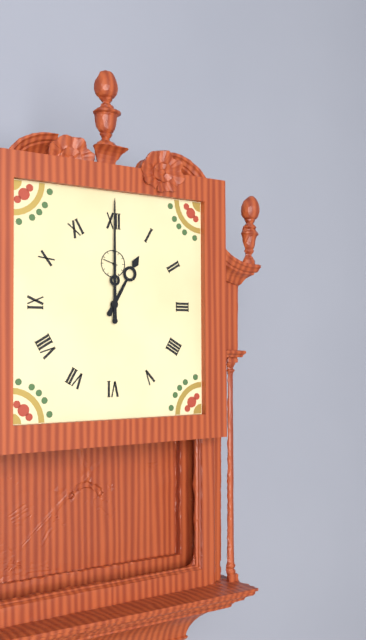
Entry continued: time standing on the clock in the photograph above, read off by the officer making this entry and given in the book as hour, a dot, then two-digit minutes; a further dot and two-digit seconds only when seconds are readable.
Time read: 1.00
